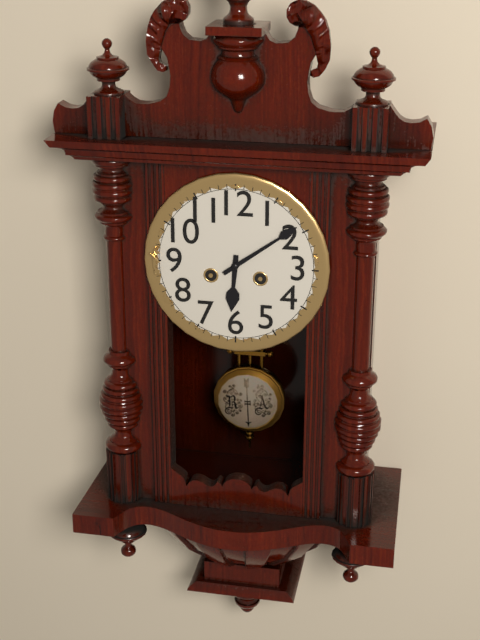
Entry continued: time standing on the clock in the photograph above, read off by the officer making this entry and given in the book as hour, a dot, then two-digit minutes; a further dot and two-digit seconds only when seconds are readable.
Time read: 6.09
